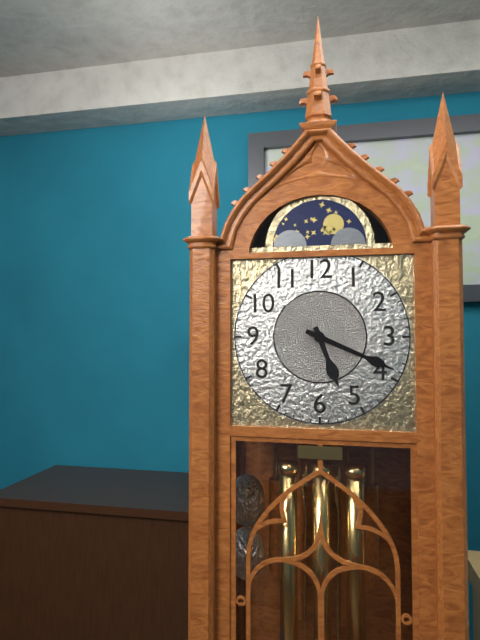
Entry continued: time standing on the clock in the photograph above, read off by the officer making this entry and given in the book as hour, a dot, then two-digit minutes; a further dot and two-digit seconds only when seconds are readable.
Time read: 5.19
